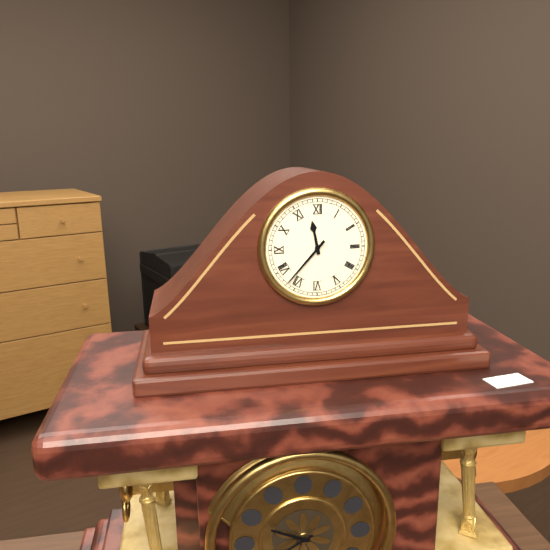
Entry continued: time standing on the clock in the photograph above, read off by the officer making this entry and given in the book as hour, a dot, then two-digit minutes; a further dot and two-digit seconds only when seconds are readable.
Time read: 11.37
